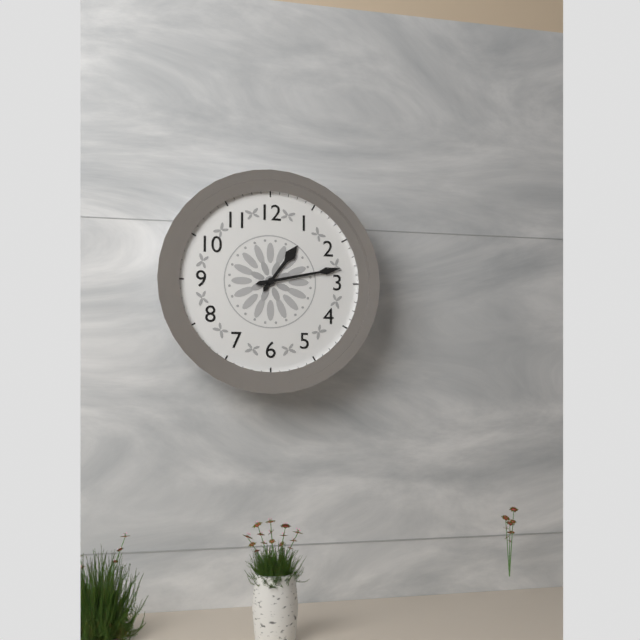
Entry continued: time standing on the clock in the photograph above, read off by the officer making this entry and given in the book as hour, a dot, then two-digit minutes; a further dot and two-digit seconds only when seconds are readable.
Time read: 1.13
